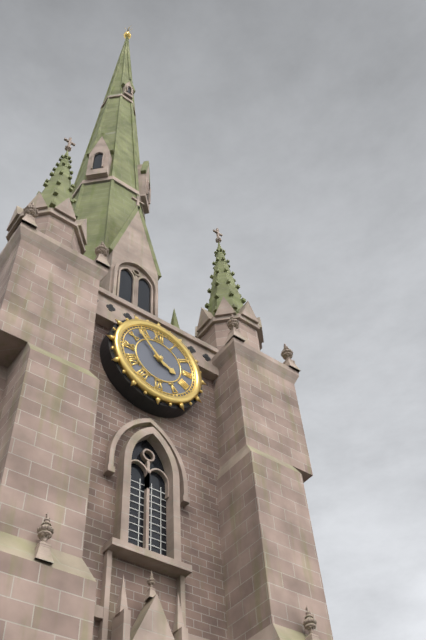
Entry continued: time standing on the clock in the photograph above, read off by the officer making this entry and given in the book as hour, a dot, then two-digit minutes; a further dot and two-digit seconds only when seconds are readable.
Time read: 3.53
